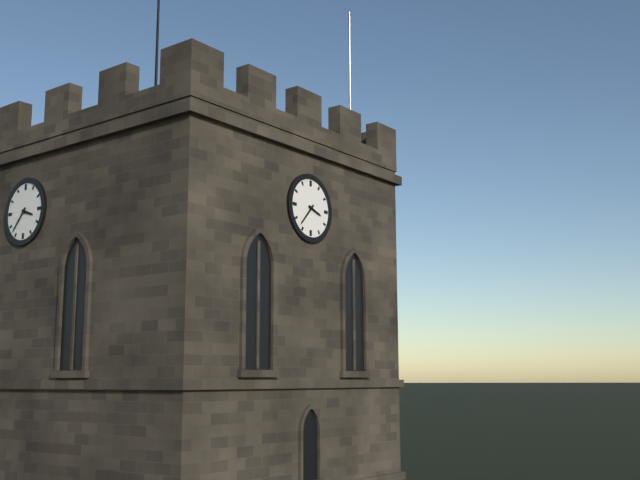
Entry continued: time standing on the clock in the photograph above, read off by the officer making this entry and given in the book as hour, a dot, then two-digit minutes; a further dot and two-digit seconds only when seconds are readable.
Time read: 3.37
